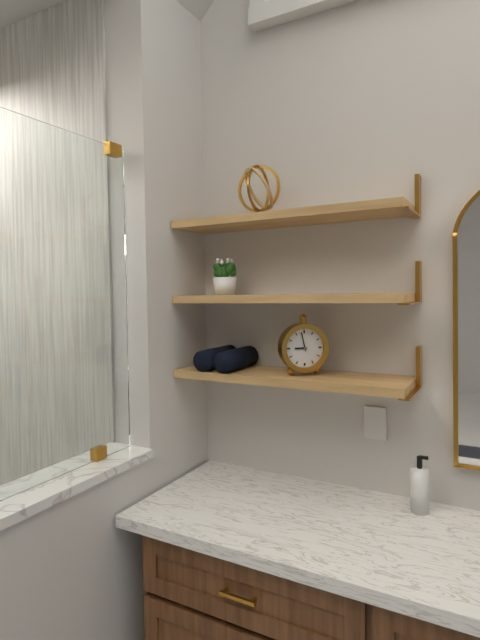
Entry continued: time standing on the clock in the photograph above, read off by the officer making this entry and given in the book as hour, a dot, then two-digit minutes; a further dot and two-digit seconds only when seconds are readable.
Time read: 8.58
